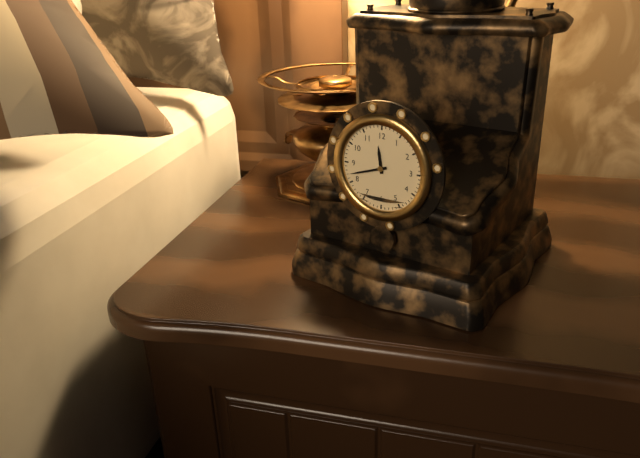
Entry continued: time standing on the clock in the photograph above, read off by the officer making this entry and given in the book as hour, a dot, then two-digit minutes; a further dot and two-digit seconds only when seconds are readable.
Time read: 11.42
